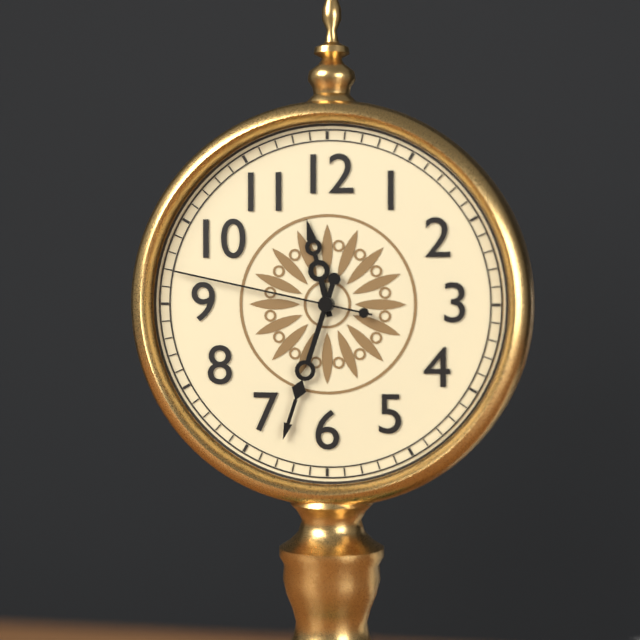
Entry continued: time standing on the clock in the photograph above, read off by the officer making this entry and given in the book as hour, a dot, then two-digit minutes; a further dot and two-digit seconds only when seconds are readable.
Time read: 11.33.47
